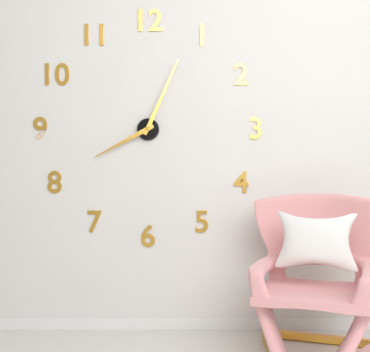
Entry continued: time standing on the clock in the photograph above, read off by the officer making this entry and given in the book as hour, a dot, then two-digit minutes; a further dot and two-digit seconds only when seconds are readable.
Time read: 8.04
